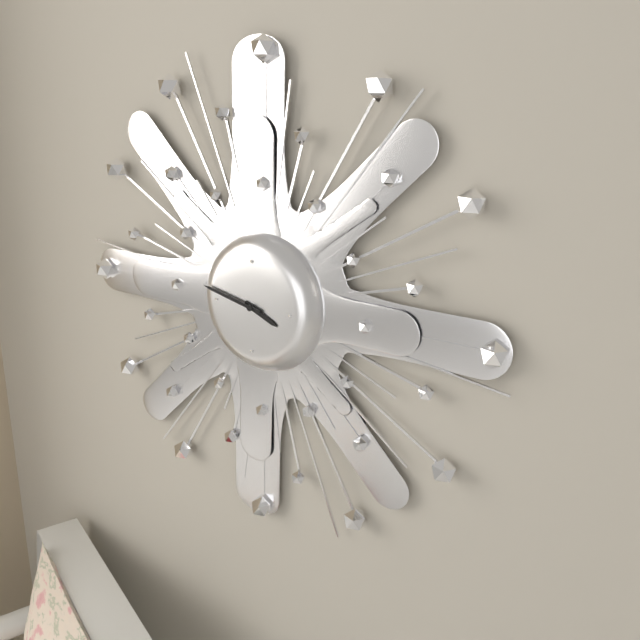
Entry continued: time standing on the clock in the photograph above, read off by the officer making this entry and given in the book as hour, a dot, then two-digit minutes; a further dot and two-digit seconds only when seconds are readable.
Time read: 3.47
